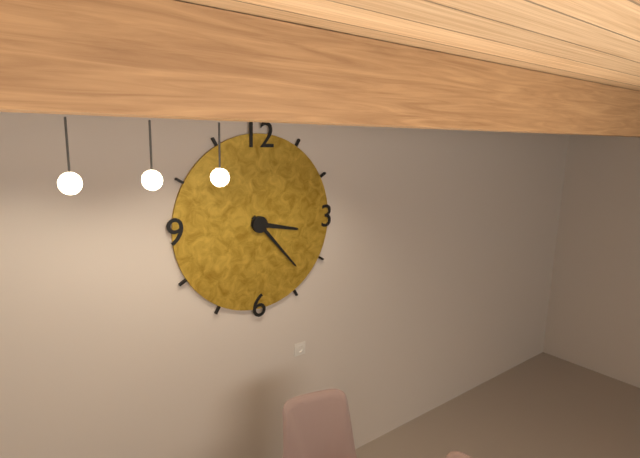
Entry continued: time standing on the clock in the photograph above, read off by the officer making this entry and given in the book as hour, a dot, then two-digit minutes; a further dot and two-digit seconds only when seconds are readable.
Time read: 3.23
